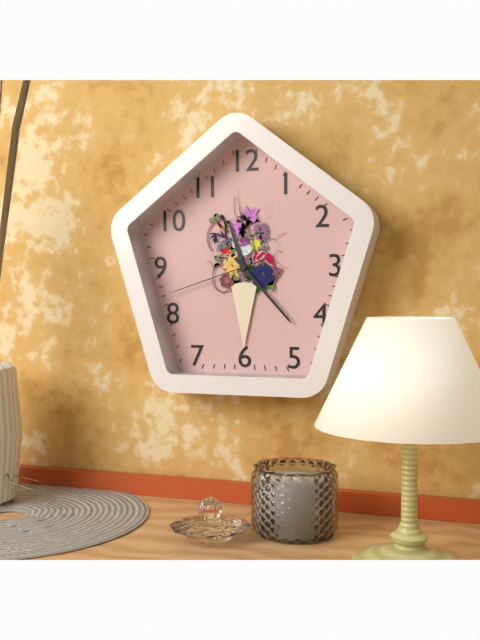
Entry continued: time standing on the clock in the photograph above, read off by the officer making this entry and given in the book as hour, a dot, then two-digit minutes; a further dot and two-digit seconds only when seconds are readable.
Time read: 11.23.42
